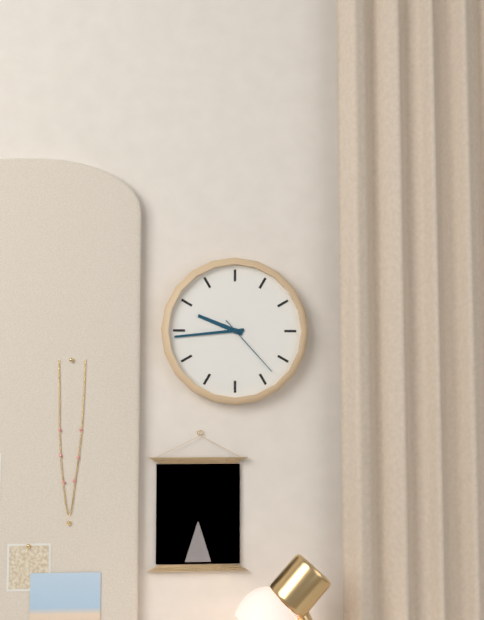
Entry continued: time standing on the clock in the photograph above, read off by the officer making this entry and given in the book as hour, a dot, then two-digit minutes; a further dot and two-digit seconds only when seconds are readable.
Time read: 9.44.23
